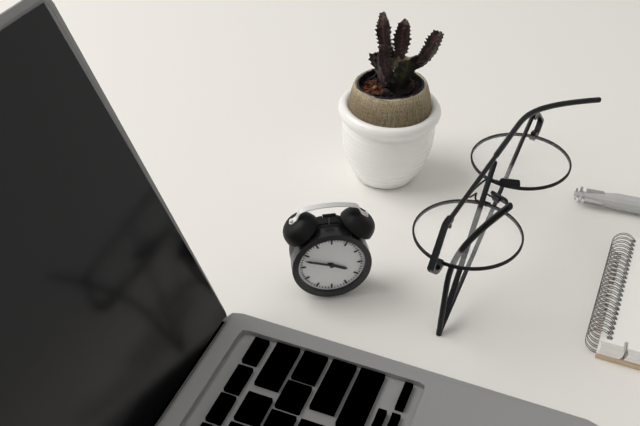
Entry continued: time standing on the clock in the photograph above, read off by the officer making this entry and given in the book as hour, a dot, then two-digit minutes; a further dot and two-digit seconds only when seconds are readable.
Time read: 3.48
